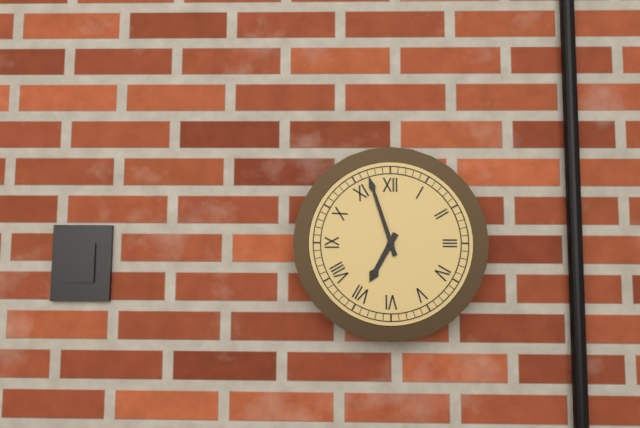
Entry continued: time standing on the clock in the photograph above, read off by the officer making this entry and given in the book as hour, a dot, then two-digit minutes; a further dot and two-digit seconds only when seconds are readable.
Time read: 6.57
